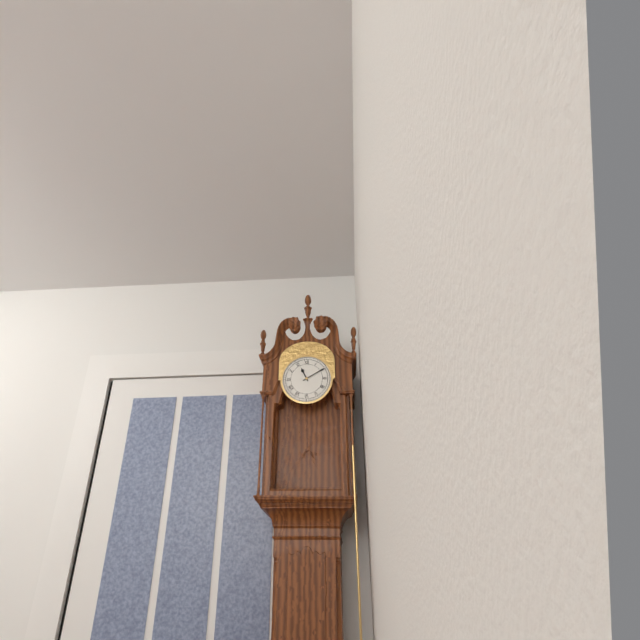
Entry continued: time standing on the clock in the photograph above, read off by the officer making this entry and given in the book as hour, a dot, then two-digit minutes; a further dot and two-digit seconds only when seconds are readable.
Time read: 11.10
